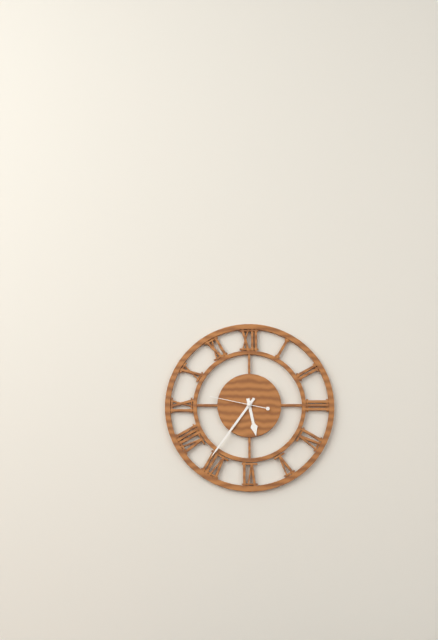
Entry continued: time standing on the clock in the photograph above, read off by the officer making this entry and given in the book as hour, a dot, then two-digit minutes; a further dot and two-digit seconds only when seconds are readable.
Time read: 5.36.47
